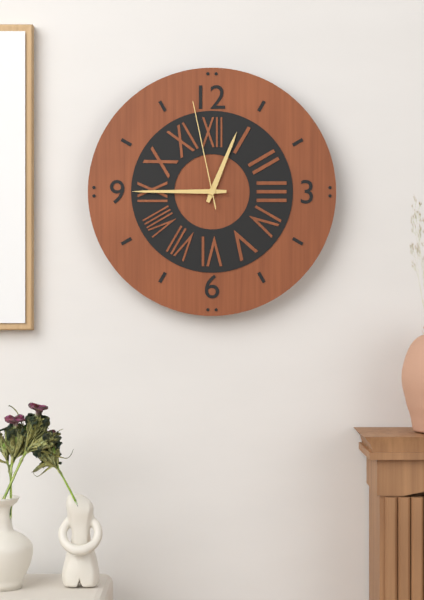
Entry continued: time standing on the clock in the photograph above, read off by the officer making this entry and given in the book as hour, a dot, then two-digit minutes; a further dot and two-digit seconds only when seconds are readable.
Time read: 12.45.58
